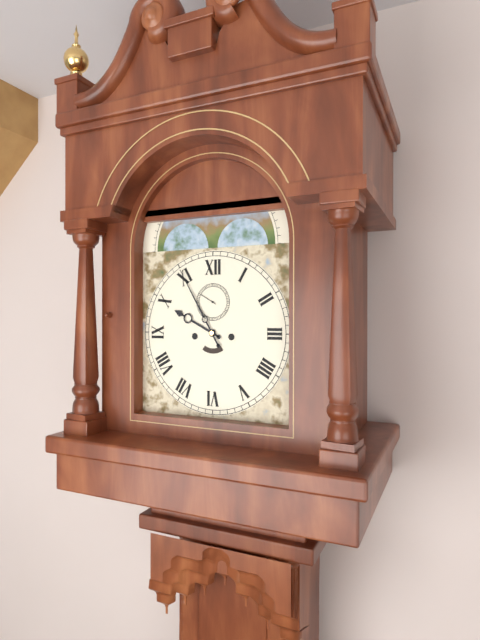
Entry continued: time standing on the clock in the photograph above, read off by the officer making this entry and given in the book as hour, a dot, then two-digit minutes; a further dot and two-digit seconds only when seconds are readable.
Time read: 9.55
